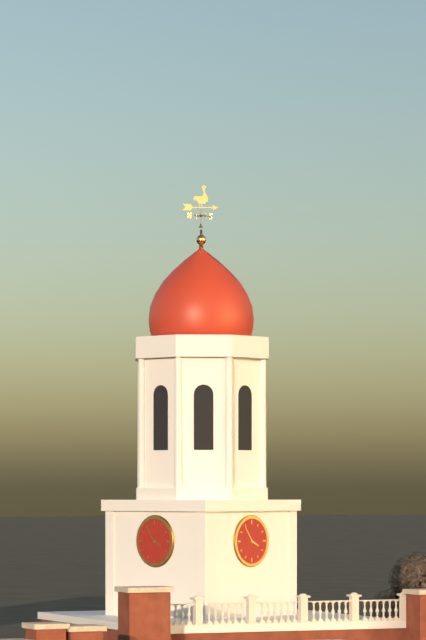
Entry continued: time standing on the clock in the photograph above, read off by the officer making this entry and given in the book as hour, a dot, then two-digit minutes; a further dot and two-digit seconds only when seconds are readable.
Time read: 3.54
